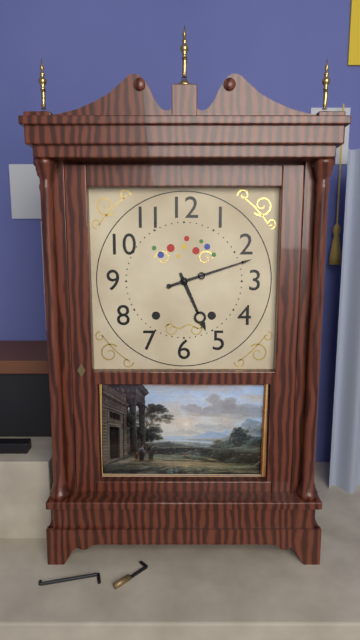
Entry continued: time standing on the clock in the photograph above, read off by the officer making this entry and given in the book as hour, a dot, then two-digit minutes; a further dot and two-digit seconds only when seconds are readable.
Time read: 5.12
